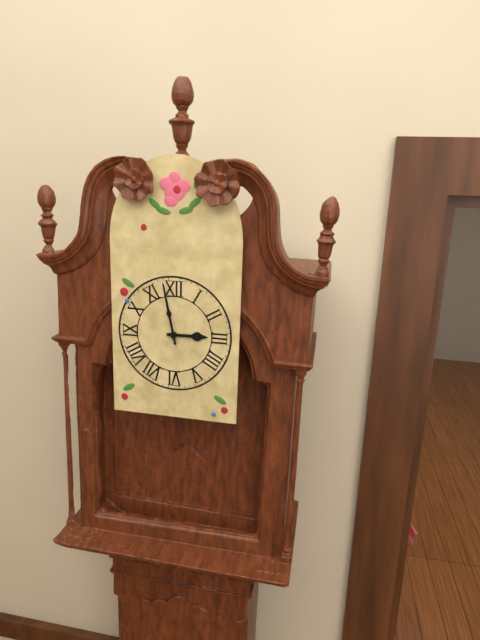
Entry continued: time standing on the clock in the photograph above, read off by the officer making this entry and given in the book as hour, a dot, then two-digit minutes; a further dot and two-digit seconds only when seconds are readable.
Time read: 2.58
